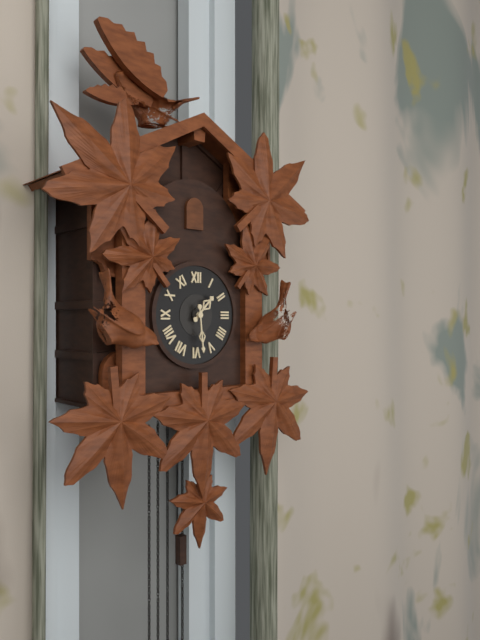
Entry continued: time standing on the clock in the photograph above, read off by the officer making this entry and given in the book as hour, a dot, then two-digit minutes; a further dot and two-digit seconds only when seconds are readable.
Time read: 1.29
